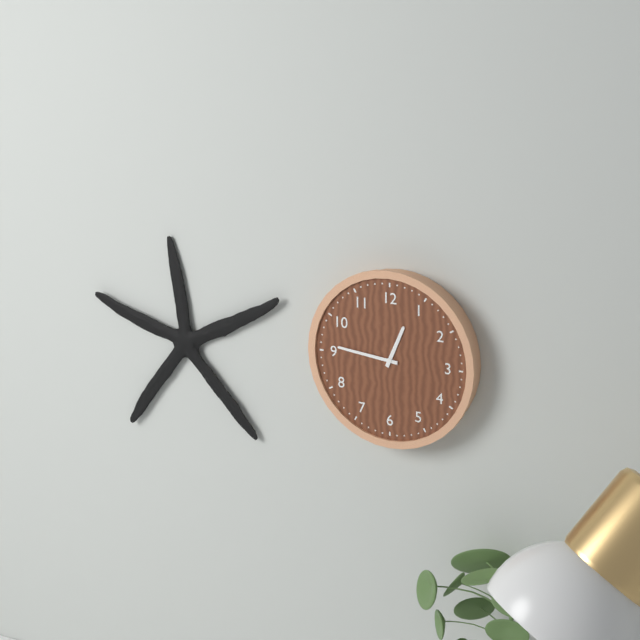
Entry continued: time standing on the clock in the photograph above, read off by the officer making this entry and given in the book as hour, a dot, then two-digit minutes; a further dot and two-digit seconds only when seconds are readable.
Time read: 12.46
